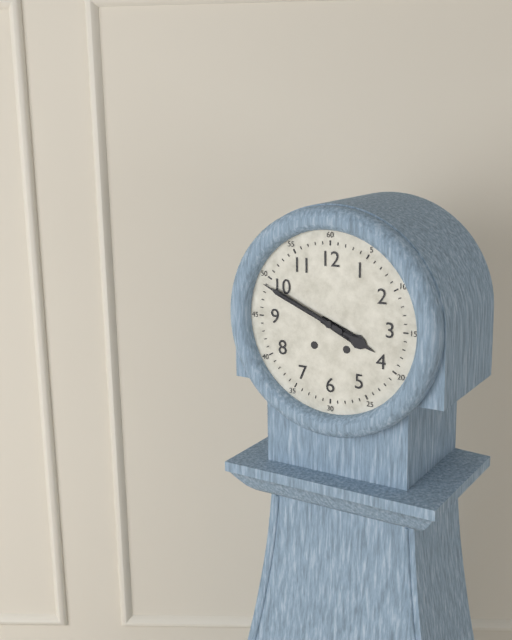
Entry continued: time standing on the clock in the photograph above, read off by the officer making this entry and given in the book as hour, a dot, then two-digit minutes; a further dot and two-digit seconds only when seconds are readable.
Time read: 3.49
